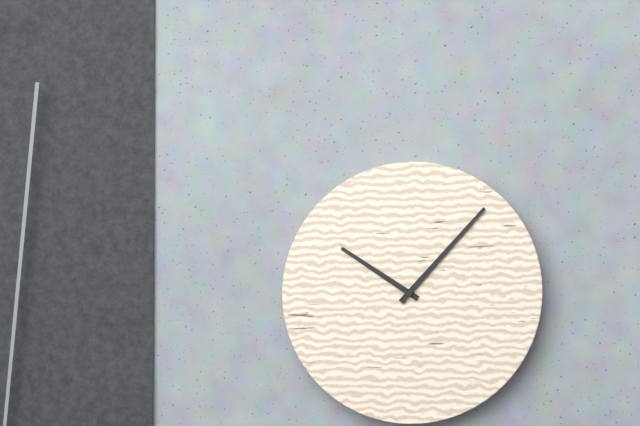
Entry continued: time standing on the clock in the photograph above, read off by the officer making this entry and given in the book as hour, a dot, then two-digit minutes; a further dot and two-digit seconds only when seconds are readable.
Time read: 10.07
